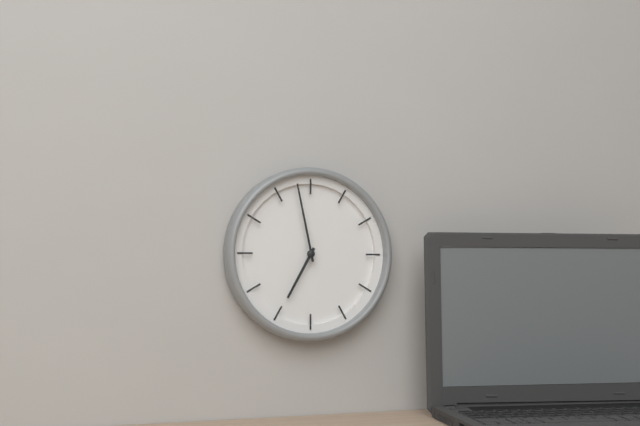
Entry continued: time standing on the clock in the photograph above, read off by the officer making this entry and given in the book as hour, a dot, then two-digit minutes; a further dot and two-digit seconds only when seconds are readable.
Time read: 6.58
